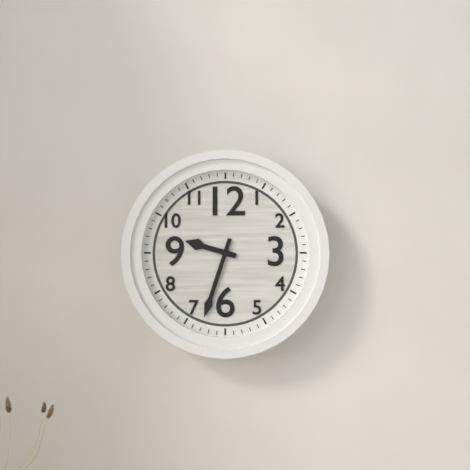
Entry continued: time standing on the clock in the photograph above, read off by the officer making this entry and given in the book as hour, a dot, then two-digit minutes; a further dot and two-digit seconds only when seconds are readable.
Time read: 9.33
